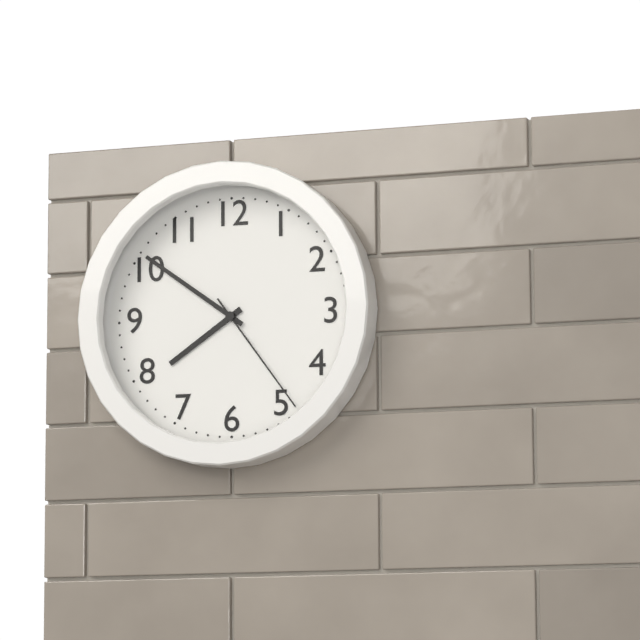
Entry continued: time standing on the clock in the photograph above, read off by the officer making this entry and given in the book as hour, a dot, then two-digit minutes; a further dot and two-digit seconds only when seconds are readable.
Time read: 7.51.24
